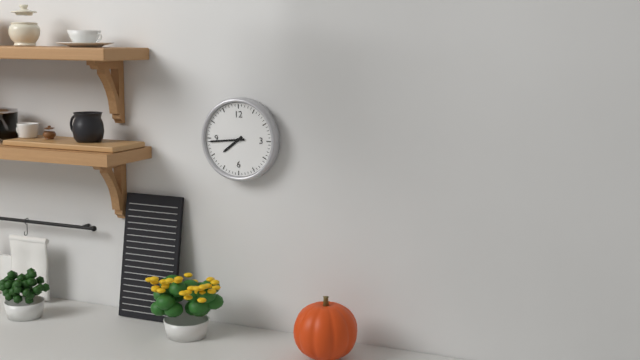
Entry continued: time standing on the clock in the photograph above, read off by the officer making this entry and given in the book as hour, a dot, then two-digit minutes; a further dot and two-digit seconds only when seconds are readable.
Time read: 7.44
